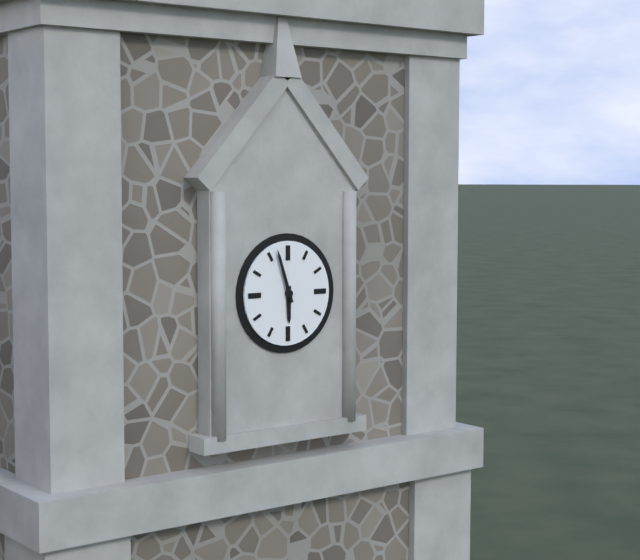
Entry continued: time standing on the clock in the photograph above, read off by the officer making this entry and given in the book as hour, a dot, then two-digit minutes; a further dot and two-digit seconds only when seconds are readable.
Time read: 5.57
